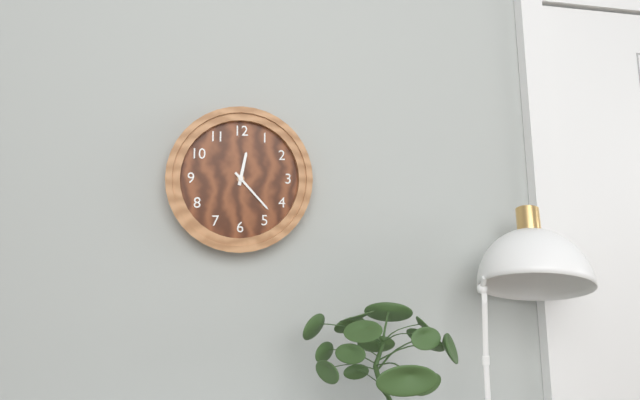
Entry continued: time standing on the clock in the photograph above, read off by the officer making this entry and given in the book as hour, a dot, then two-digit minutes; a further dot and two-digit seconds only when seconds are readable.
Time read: 12.23
